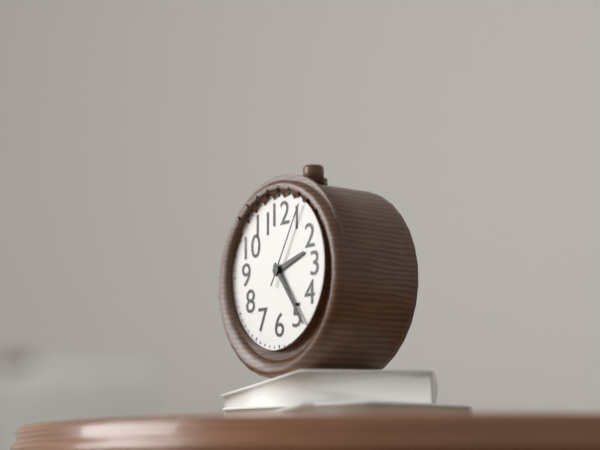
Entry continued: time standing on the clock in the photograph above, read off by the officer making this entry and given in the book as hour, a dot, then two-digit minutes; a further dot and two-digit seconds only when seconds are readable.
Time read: 2.24.05
